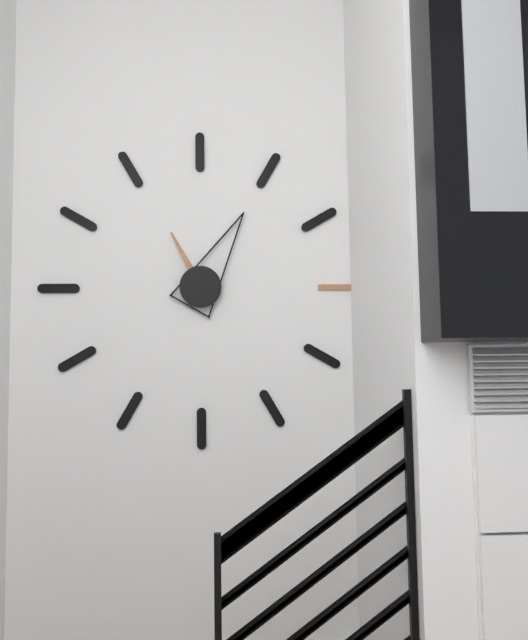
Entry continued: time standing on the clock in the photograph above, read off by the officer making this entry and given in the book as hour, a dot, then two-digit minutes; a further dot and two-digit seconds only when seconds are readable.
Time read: 11.05
